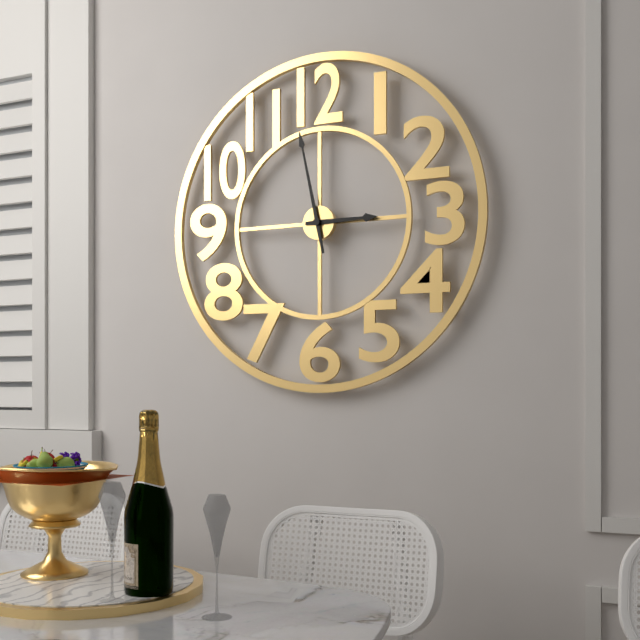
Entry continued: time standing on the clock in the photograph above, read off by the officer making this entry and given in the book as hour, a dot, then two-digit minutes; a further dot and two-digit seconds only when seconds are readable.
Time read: 2.58
